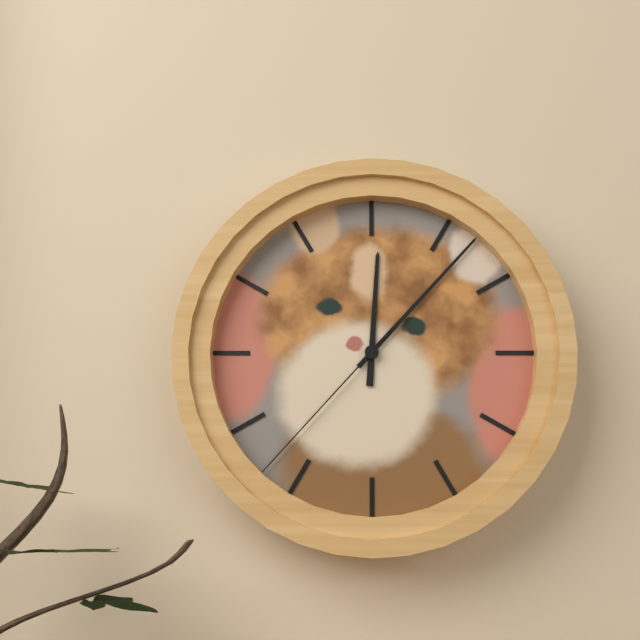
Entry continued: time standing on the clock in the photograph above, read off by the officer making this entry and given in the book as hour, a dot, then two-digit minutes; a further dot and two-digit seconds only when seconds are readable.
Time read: 12.07.37
